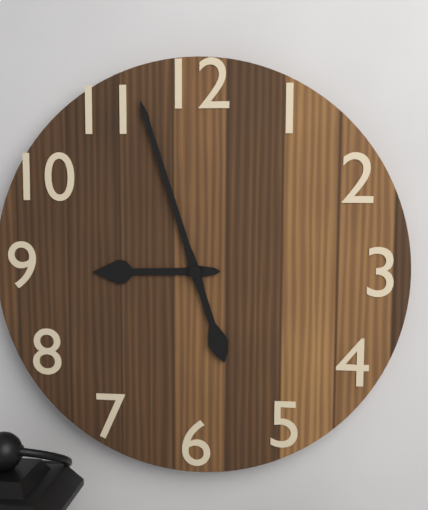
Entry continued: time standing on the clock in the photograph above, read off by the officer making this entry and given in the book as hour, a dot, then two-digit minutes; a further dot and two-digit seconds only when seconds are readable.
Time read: 8.57
